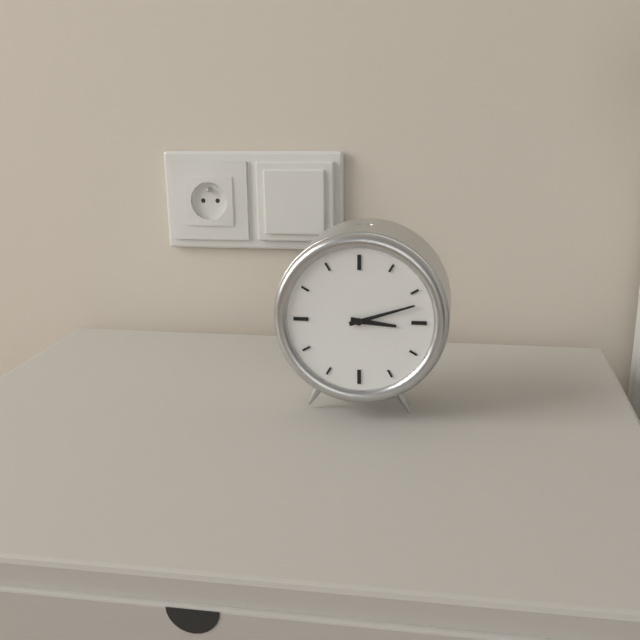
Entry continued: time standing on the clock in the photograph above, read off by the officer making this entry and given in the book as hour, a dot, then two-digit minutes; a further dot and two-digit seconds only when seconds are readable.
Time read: 3.12
